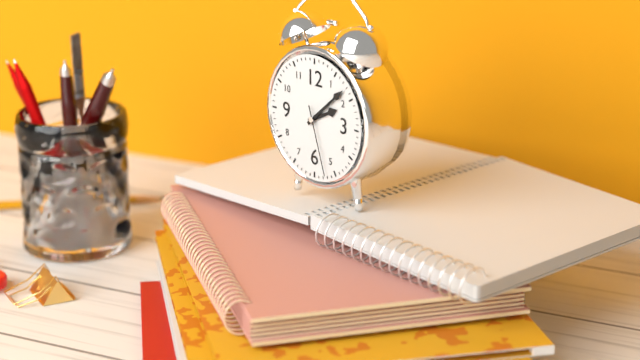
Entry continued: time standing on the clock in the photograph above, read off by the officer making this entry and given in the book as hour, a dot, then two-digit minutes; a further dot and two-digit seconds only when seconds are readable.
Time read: 2.08.27
